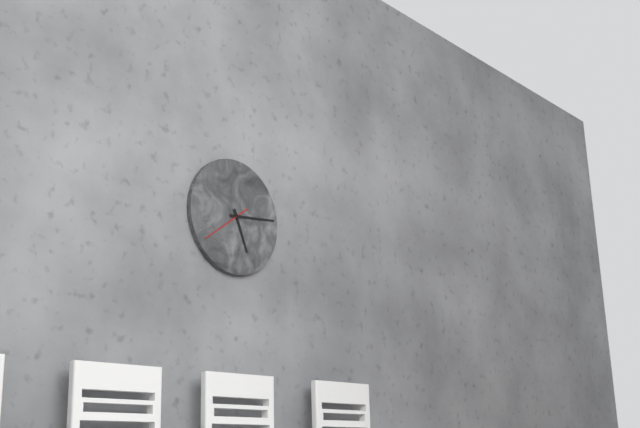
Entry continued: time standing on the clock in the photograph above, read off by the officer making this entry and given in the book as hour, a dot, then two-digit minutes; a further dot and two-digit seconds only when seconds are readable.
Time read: 5.14
